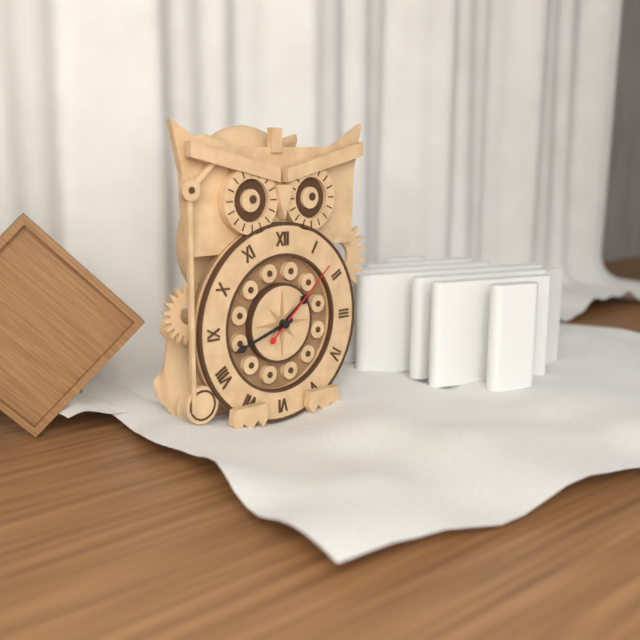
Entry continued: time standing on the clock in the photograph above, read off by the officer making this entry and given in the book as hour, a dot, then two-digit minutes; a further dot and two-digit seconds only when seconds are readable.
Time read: 1.42.08
